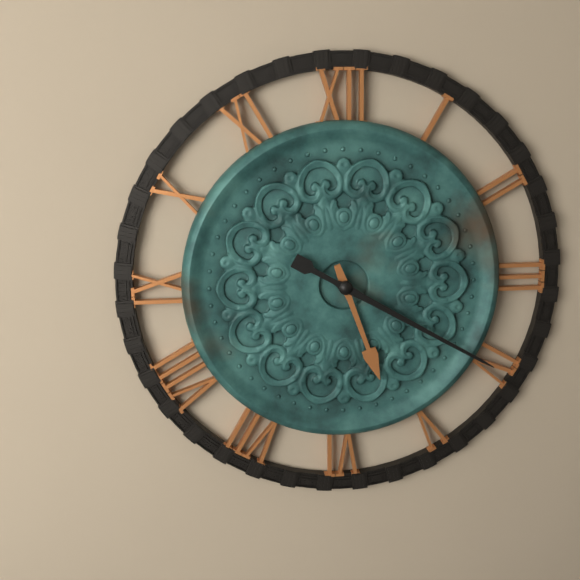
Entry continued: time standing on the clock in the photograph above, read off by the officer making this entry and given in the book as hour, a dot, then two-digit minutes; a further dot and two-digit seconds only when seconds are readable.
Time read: 5.20
